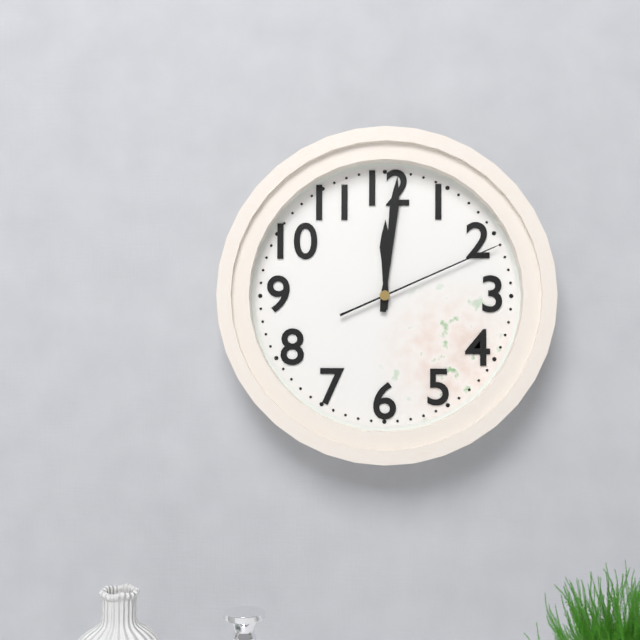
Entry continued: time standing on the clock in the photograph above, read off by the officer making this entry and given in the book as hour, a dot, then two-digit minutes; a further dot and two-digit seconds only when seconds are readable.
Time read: 12.01.11
